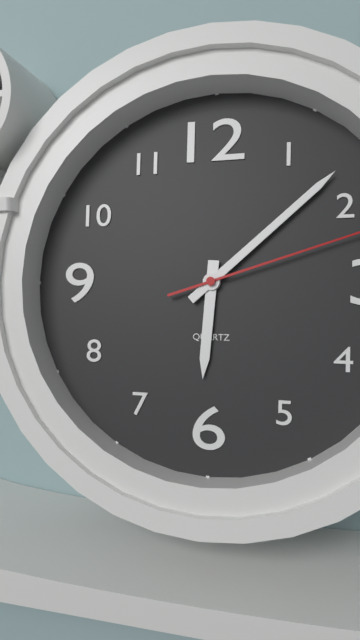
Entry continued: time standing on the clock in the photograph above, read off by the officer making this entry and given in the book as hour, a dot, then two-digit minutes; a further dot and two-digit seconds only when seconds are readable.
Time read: 6.08
